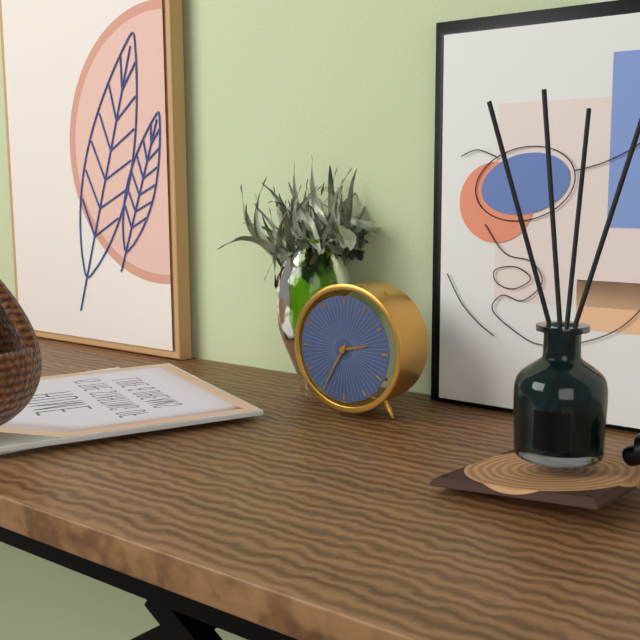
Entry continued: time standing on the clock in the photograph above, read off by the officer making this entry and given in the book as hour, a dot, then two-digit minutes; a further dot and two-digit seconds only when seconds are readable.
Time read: 2.35
